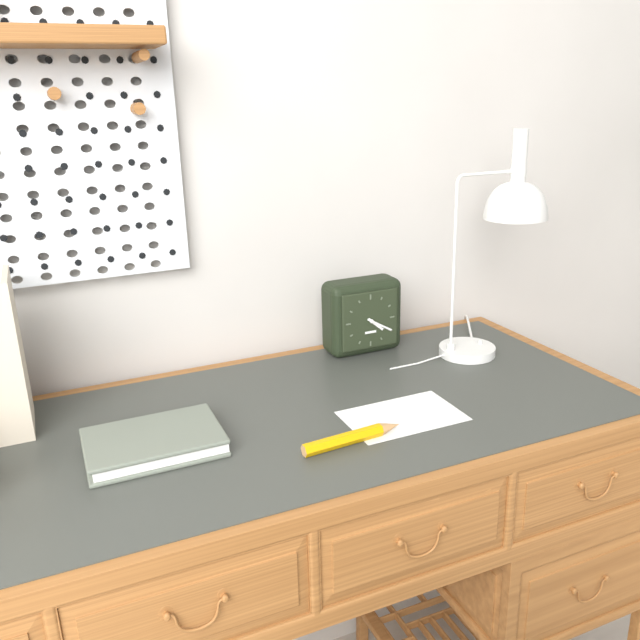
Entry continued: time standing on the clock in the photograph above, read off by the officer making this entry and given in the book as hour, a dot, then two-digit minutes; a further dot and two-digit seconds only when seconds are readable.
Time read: 4.20
